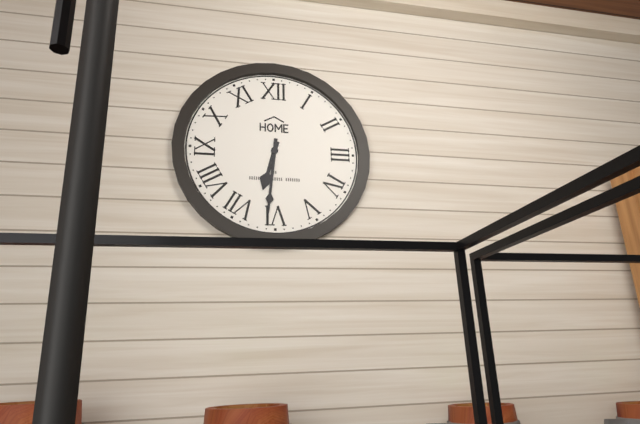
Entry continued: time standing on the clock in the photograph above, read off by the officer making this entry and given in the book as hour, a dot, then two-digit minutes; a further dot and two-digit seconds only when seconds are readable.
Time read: 6.31
